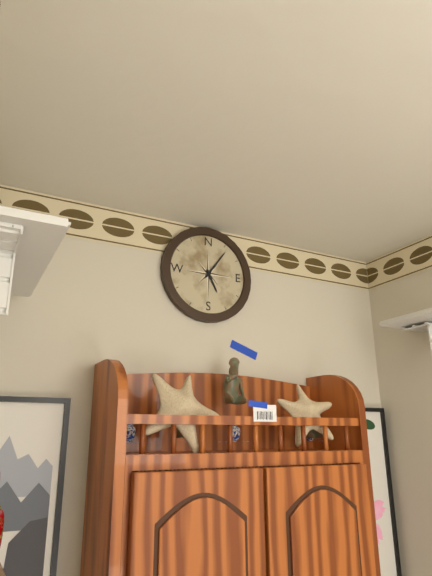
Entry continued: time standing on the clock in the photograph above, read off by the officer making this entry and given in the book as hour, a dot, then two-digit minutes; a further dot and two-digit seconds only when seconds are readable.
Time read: 5.06
